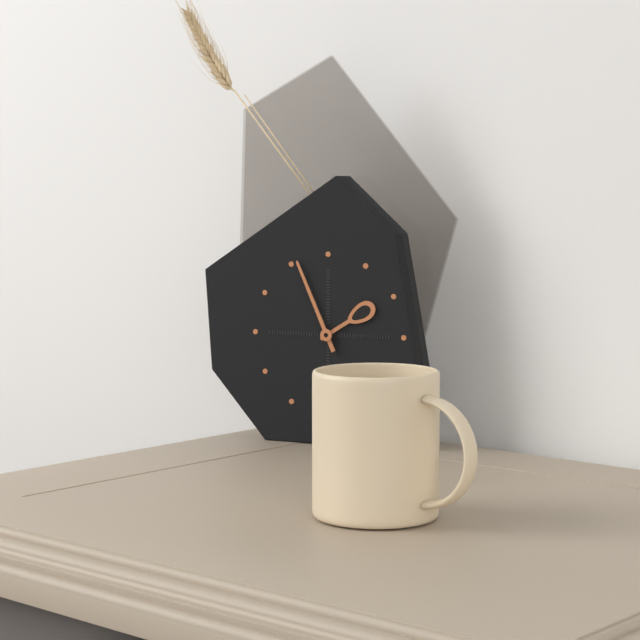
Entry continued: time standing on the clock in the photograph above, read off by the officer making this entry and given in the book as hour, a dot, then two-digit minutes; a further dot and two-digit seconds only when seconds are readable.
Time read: 1.56
